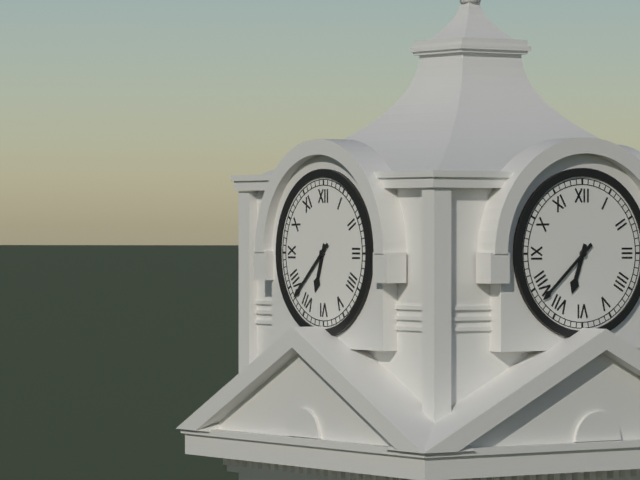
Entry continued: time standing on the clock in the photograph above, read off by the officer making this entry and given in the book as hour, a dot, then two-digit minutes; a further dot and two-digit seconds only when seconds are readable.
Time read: 6.38
